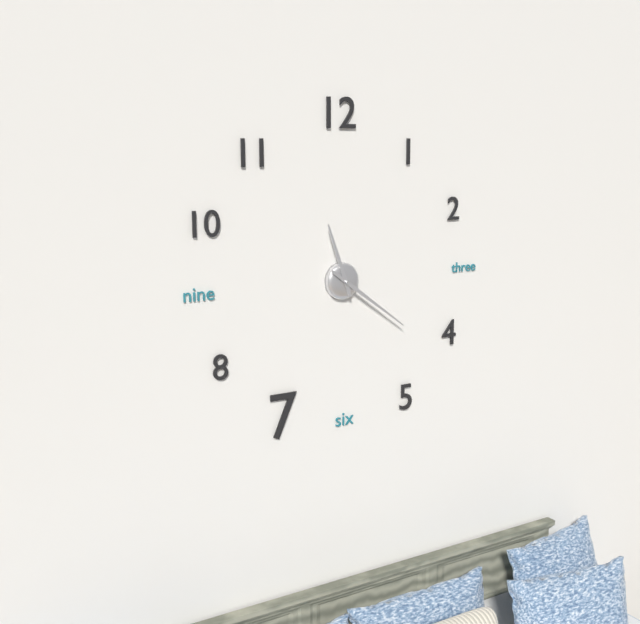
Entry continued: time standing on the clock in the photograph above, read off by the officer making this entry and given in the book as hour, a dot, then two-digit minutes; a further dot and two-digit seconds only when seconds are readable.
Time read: 11.21
